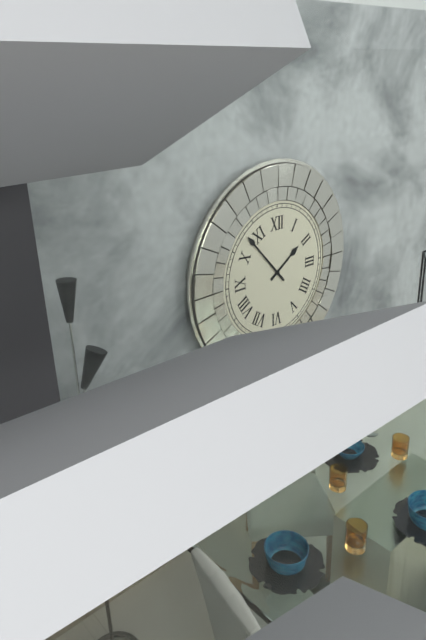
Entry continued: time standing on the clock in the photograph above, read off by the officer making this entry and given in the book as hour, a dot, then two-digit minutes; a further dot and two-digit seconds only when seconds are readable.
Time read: 1.53
